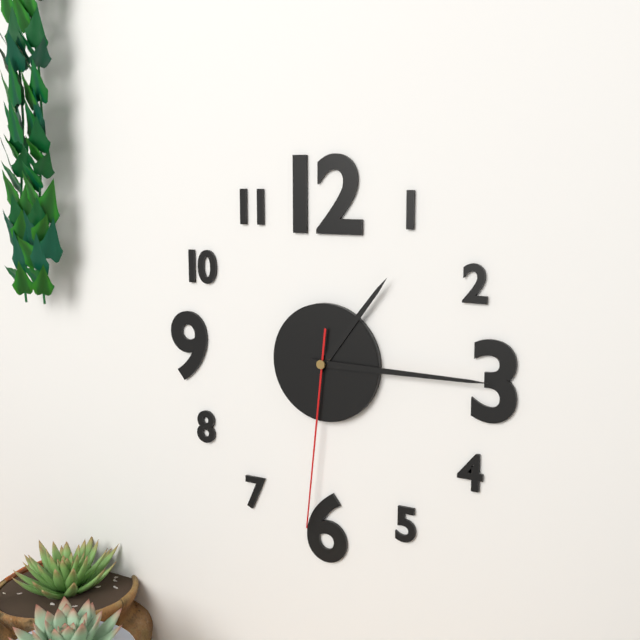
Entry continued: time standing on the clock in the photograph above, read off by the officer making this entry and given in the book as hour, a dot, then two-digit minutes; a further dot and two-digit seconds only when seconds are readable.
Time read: 1.15.31
